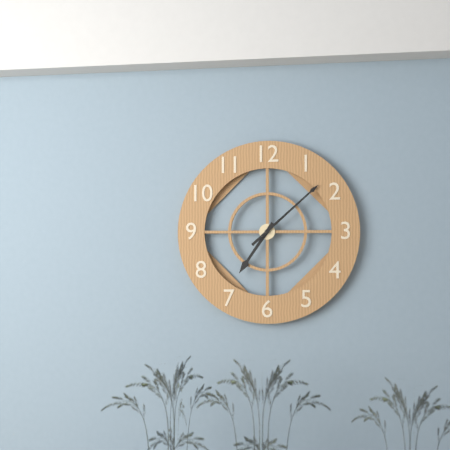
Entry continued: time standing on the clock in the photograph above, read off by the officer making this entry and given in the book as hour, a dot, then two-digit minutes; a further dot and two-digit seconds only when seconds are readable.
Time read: 7.08
